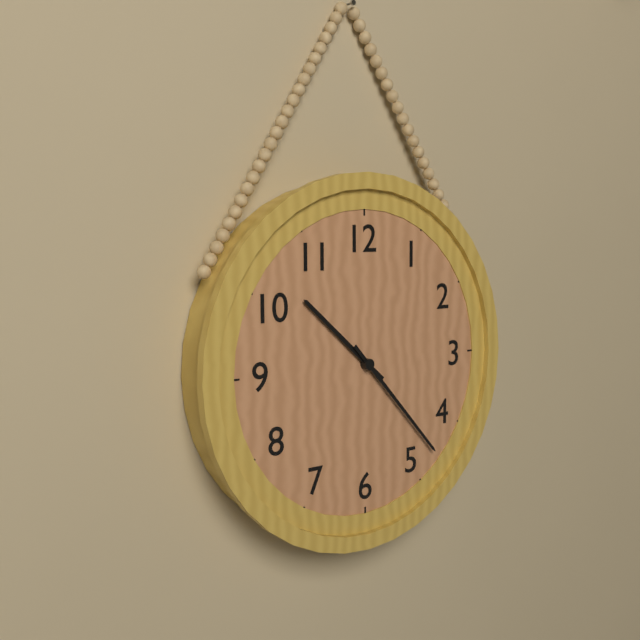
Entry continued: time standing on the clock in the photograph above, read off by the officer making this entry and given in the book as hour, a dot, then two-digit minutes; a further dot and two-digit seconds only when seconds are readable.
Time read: 10.23
